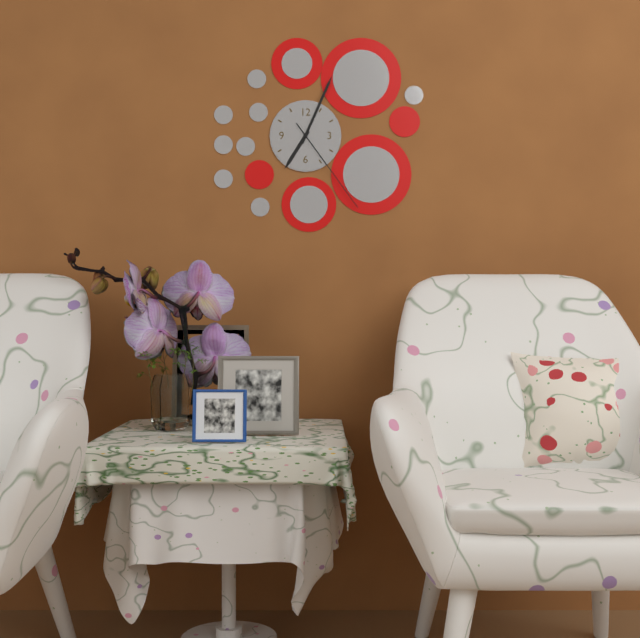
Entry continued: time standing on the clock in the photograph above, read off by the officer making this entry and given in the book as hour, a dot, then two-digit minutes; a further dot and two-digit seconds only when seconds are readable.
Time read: 7.04.24
